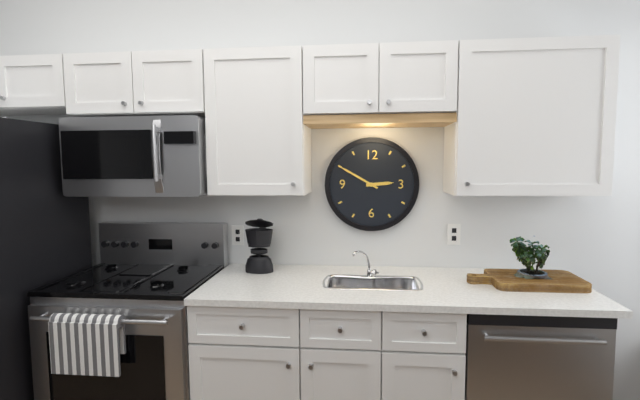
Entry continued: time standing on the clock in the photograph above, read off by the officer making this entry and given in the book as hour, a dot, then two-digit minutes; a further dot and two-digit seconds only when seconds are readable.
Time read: 2.50
